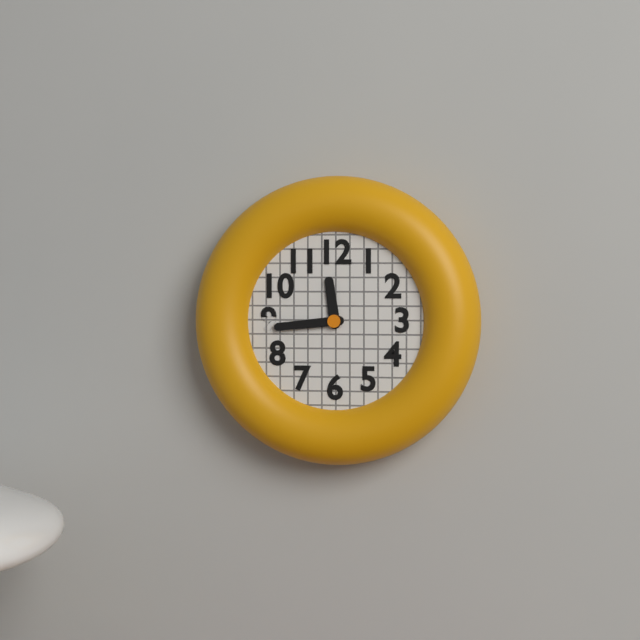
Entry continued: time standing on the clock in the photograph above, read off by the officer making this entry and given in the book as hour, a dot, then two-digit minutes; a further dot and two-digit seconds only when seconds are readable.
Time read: 11.44
